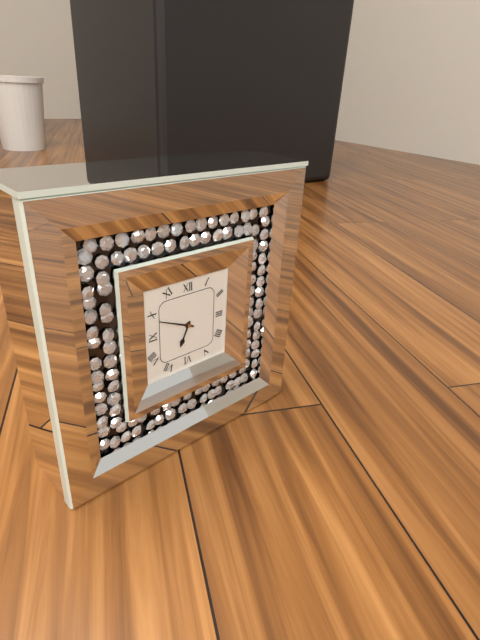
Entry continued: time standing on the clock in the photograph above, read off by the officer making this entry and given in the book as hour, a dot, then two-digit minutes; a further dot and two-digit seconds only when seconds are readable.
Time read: 6.49
